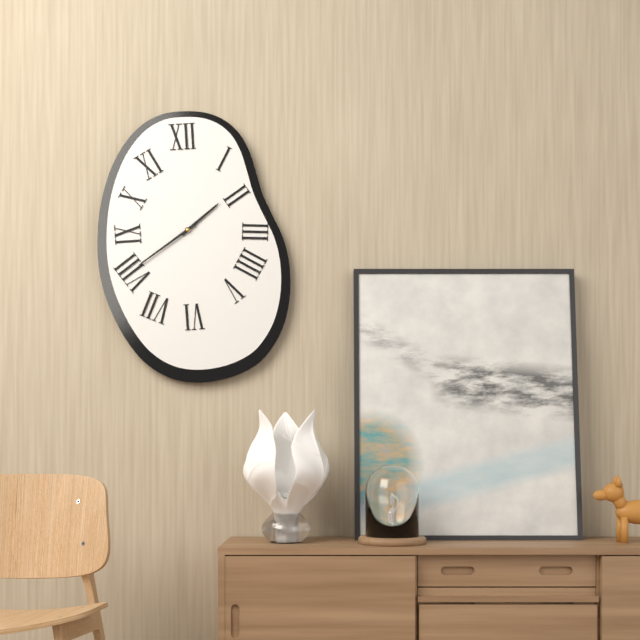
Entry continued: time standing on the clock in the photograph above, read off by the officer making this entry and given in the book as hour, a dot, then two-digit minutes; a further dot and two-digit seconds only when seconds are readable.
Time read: 1.39
